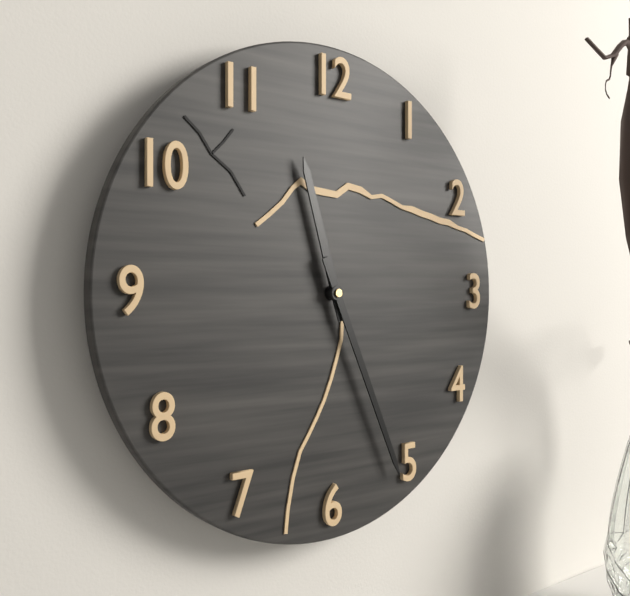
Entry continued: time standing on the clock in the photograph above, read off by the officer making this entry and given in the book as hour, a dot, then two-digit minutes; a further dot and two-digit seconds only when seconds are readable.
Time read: 11.26
